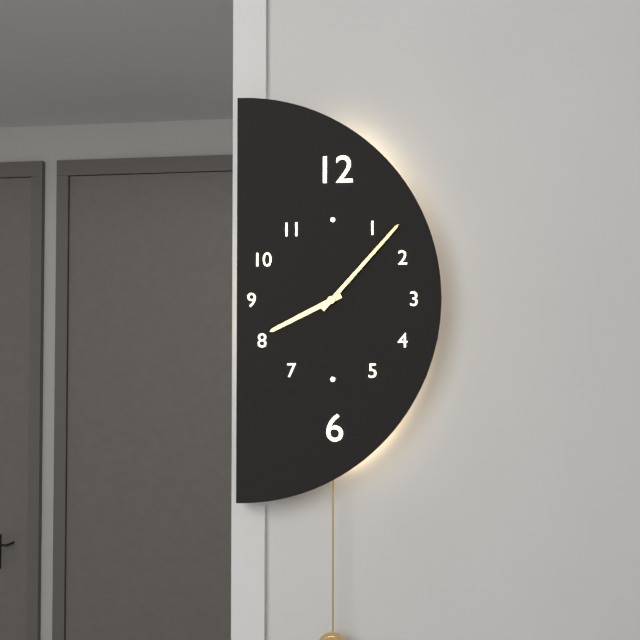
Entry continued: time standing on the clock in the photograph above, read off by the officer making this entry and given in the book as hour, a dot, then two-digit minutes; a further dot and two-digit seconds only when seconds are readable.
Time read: 8.07
